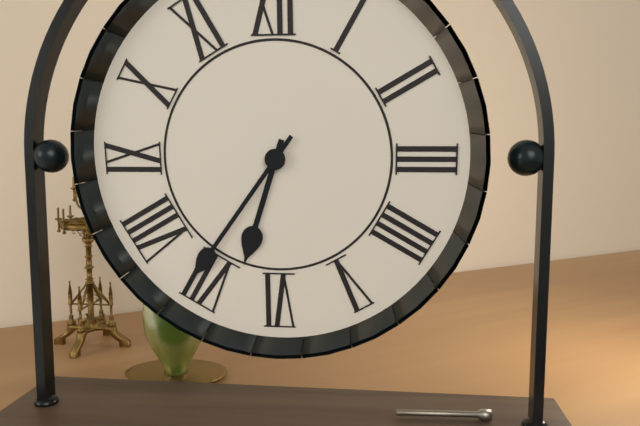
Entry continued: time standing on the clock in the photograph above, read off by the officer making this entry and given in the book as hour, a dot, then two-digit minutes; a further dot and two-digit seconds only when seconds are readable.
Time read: 6.36
